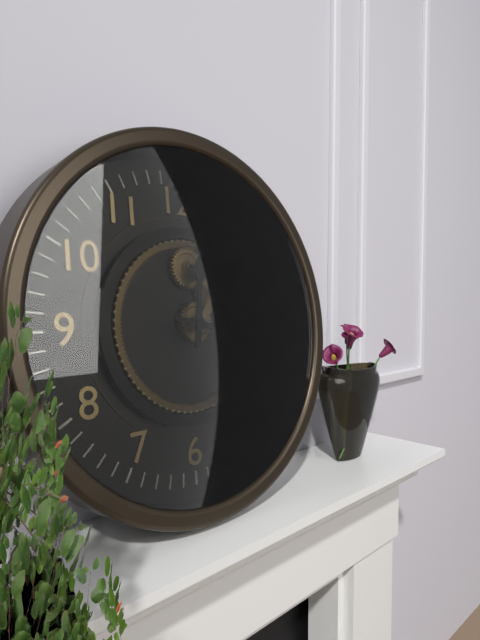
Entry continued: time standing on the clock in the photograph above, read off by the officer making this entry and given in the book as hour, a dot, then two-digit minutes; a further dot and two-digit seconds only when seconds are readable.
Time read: 12.17
